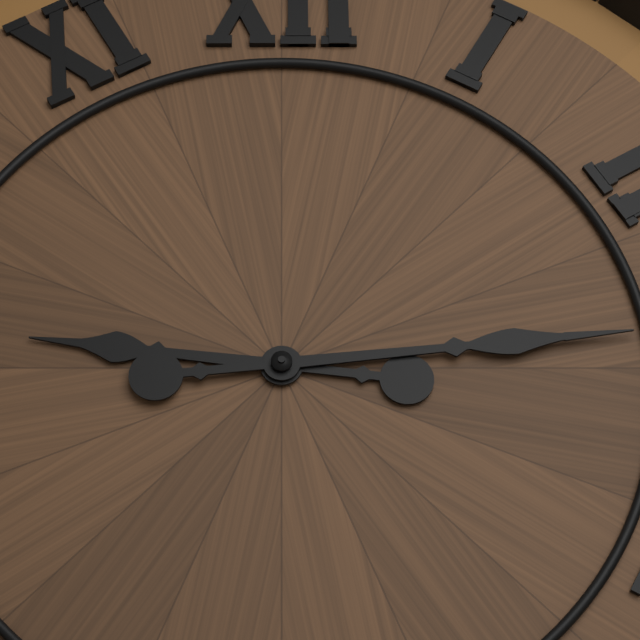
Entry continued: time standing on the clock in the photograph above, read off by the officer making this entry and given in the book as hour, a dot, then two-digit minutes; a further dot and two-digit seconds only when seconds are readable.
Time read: 9.14
